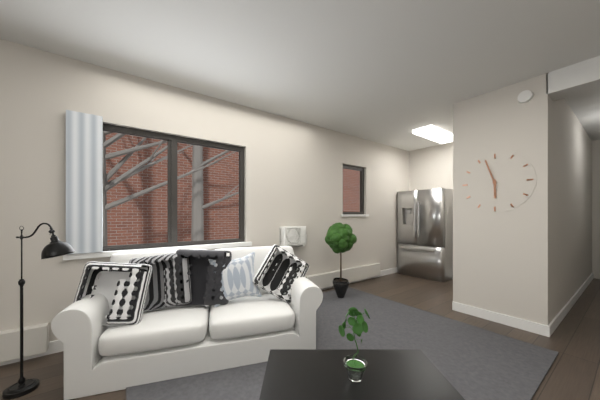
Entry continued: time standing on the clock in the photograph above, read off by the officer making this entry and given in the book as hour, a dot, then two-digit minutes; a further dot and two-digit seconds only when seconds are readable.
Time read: 5.57
